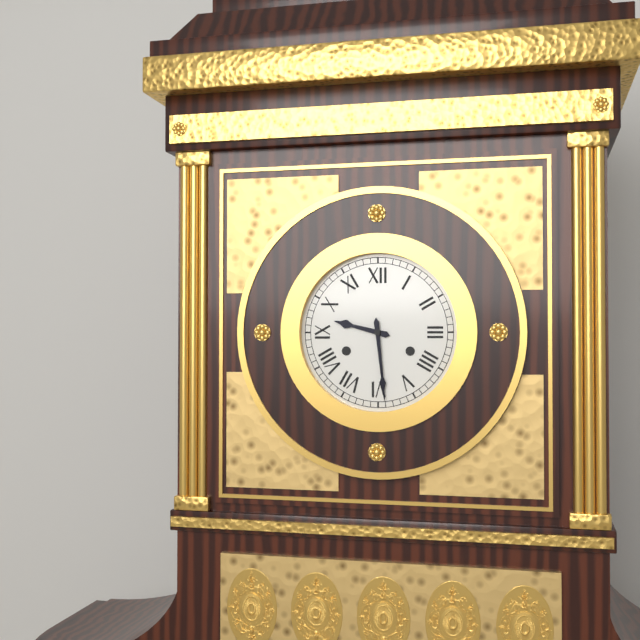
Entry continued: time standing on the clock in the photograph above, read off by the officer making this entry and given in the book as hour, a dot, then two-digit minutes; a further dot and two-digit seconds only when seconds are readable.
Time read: 9.29
